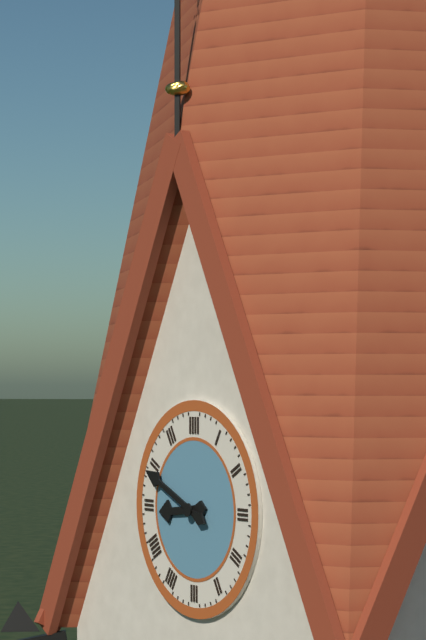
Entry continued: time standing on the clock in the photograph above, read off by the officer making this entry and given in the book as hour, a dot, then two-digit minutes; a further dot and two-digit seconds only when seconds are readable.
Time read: 8.49
